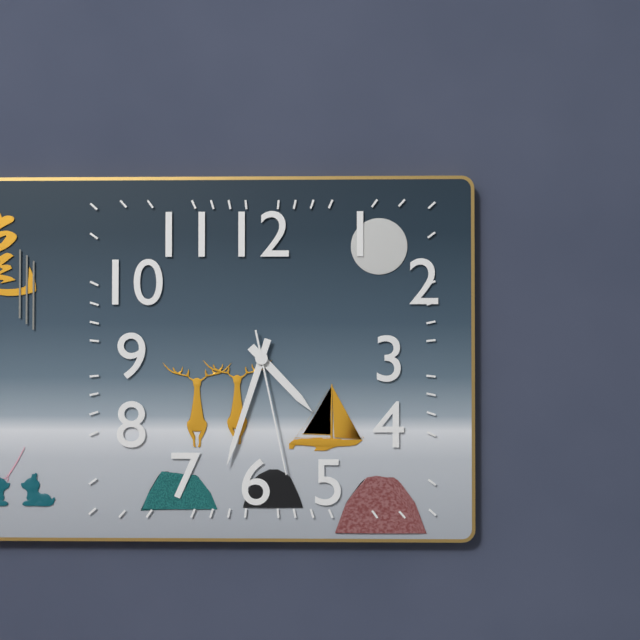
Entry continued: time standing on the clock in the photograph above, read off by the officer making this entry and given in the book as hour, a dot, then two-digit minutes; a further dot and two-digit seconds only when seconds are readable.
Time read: 4.33.28
